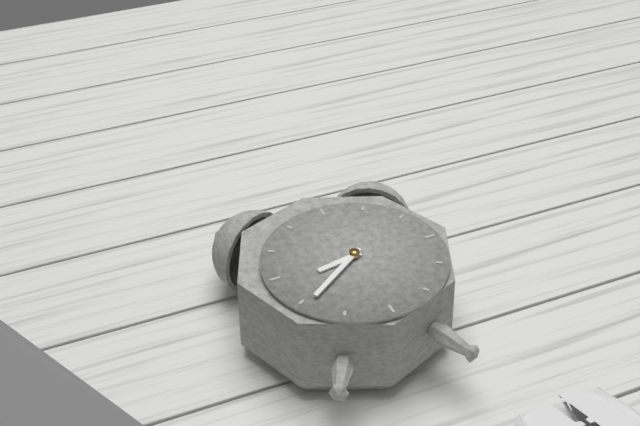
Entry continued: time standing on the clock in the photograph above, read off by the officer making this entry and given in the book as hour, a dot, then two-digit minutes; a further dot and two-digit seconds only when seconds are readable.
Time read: 8.39
